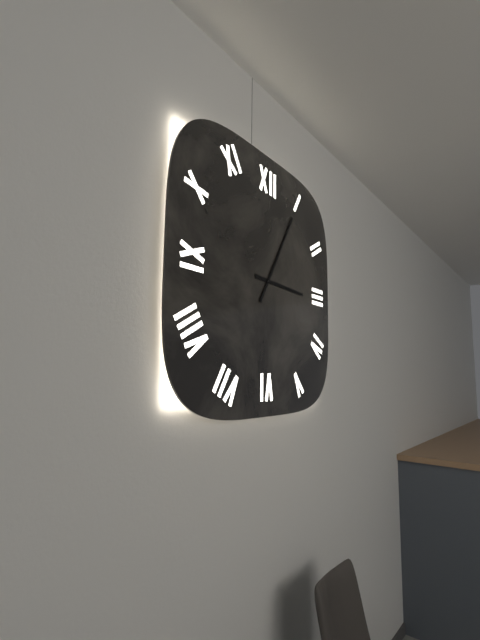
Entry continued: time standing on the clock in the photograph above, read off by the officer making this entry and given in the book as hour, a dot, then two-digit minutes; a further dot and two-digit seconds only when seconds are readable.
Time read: 3.05
